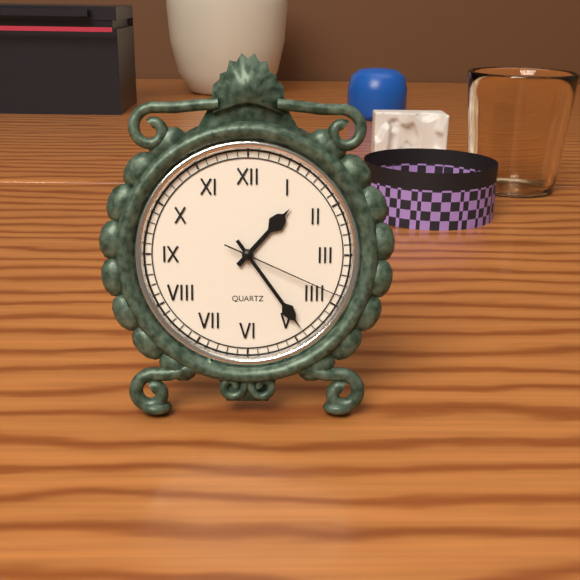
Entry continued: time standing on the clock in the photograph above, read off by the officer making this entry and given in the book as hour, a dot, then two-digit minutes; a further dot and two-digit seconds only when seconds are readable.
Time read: 1.24.19
